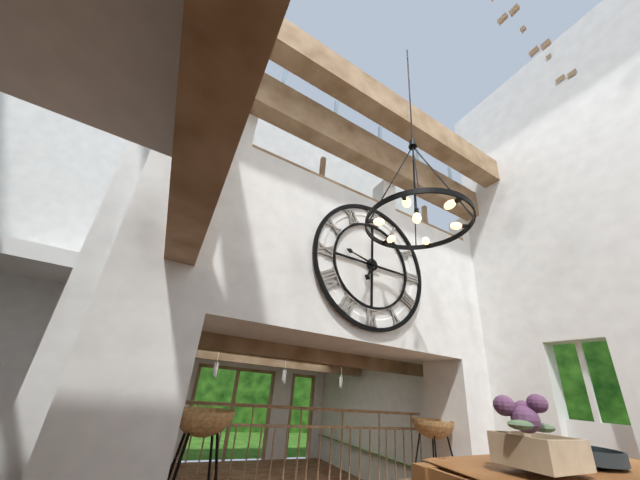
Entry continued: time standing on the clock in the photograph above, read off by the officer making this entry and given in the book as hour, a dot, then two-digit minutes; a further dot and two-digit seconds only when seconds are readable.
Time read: 6.47
